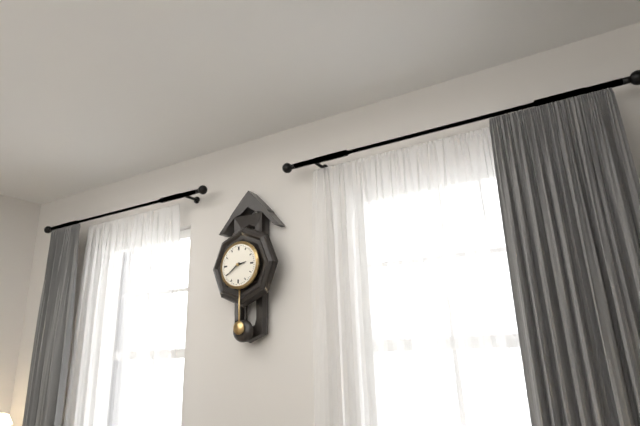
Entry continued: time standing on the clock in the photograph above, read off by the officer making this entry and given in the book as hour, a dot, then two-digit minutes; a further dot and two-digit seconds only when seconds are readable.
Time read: 2.39
